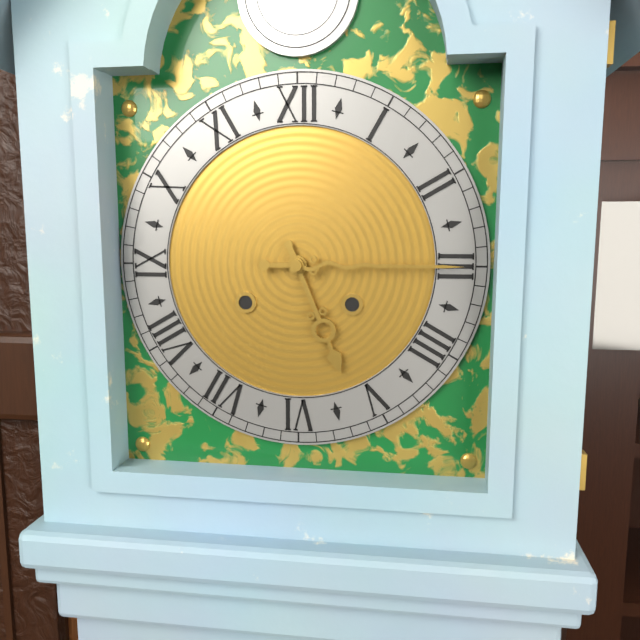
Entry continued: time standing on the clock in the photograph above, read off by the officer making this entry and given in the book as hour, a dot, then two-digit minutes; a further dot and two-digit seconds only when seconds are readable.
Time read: 5.15
